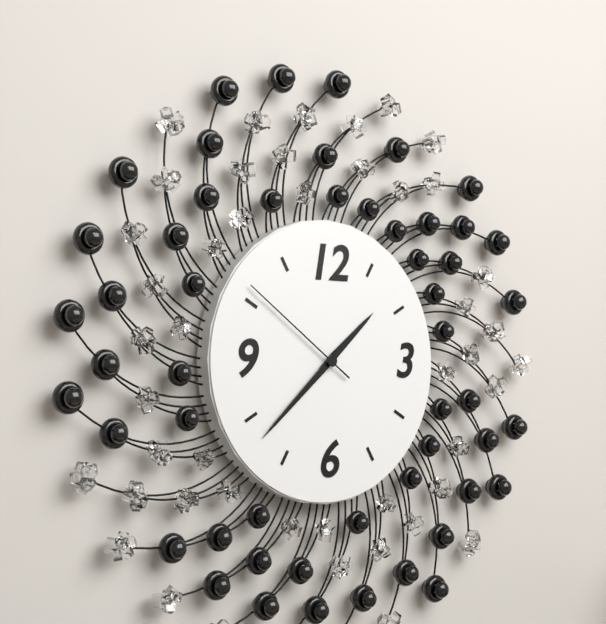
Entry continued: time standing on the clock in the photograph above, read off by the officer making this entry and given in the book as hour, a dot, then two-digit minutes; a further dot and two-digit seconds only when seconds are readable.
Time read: 1.38.51
